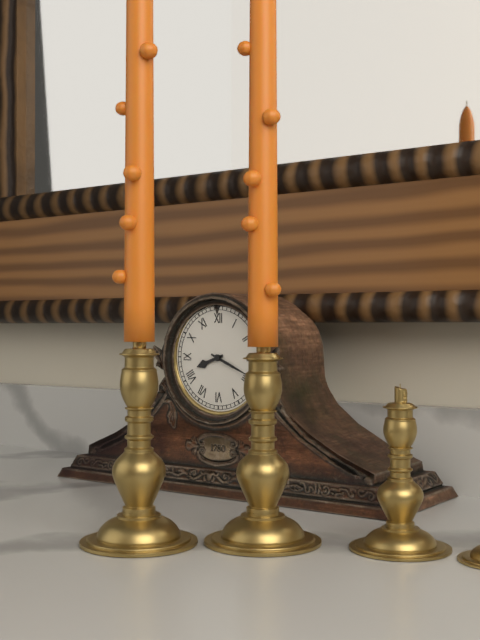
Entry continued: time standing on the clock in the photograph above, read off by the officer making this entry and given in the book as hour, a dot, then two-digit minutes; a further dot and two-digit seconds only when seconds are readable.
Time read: 8.19
